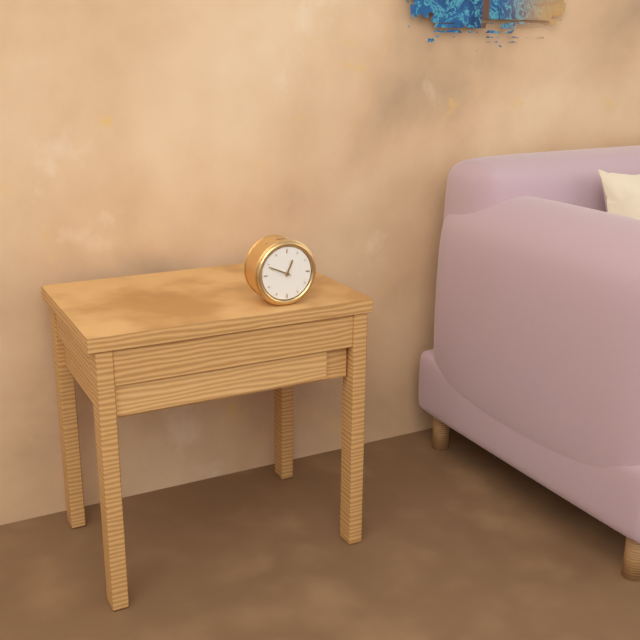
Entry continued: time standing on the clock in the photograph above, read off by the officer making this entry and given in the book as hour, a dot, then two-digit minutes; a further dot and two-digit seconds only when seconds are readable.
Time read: 12.49
